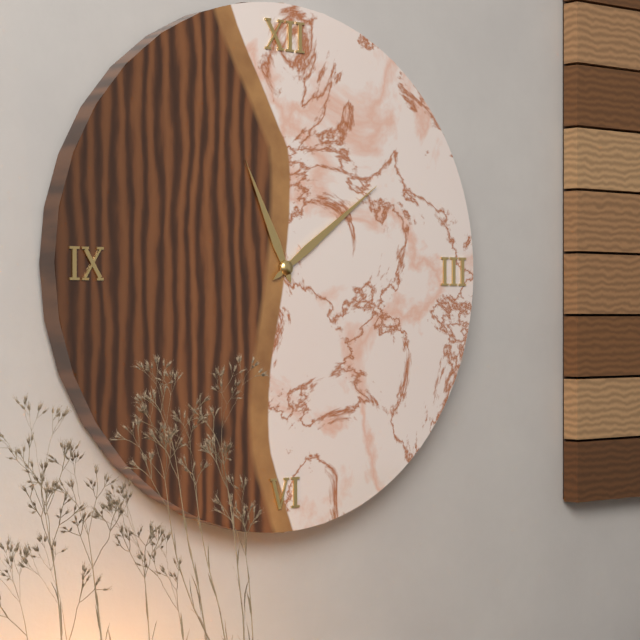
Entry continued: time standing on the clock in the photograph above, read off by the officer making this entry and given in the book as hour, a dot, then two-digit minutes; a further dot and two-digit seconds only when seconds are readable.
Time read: 11.09
